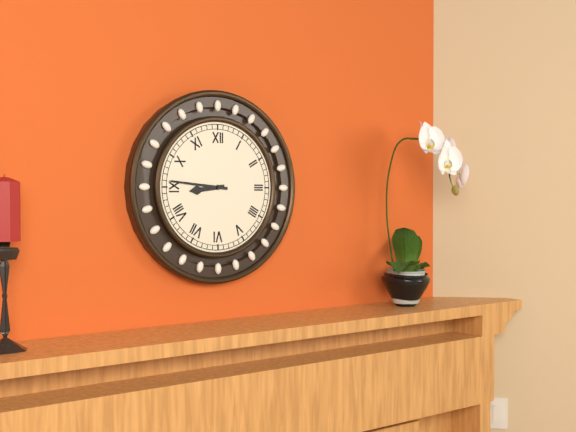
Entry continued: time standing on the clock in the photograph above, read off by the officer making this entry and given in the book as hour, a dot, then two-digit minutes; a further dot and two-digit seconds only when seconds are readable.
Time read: 8.46
